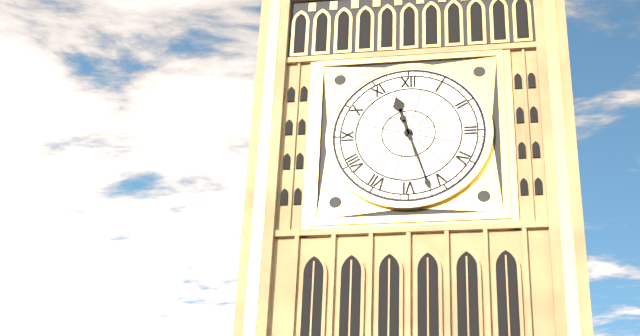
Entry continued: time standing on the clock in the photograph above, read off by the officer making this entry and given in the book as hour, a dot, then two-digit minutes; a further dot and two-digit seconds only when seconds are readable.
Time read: 11.27
